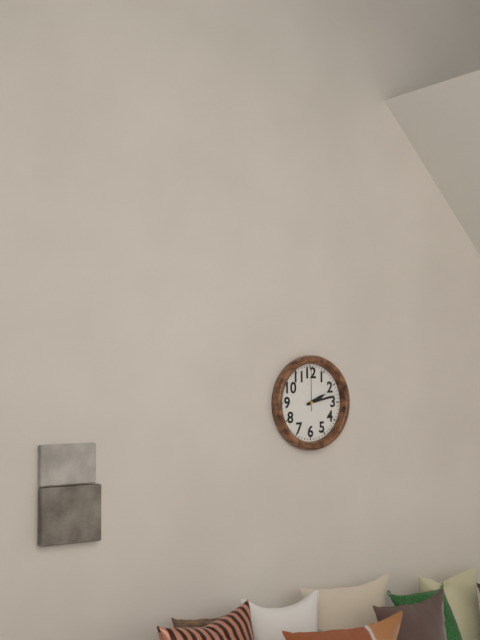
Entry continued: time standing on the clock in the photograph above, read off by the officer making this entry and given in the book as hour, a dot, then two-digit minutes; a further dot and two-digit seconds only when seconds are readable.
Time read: 2.13
